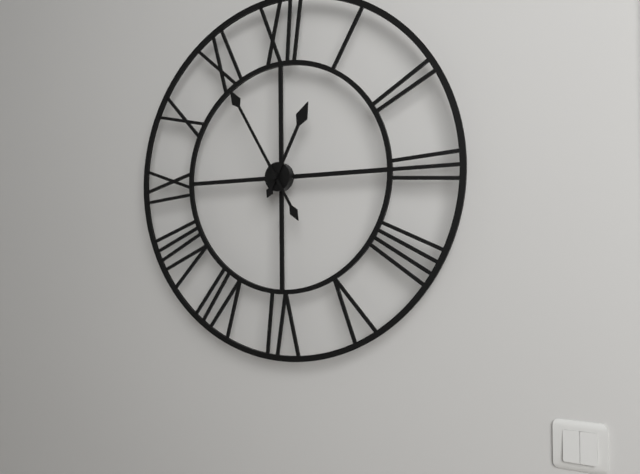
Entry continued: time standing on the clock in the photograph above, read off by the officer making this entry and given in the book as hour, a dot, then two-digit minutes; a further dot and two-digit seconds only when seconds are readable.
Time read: 12.55
